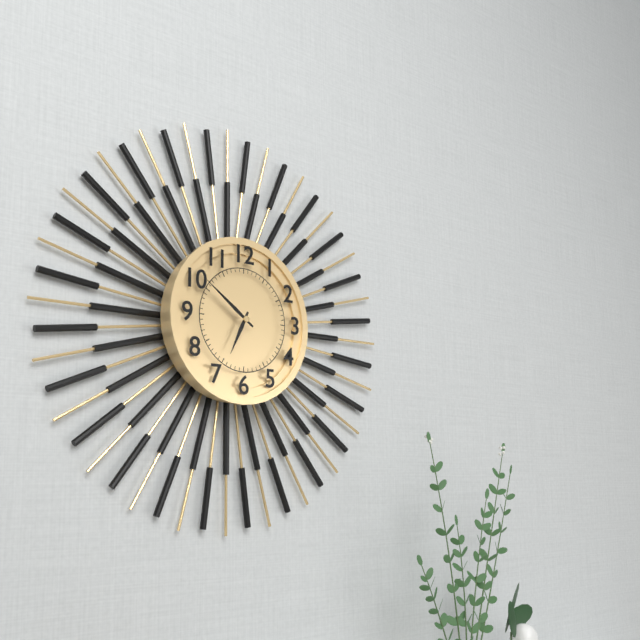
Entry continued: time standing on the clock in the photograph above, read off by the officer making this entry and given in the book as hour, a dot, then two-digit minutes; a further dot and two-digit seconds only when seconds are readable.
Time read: 6.51
